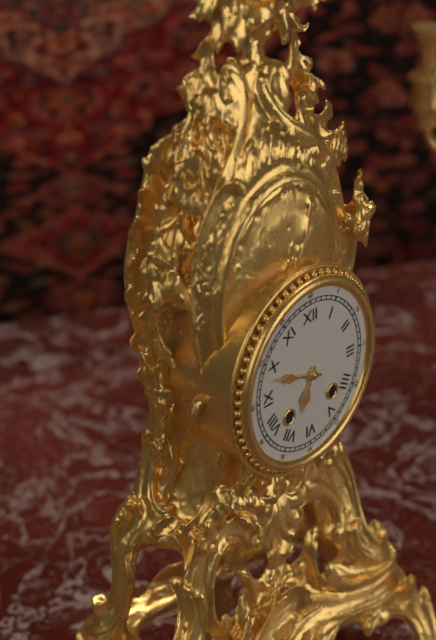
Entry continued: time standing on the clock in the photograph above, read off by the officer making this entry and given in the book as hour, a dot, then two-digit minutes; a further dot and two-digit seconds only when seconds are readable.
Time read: 6.48
